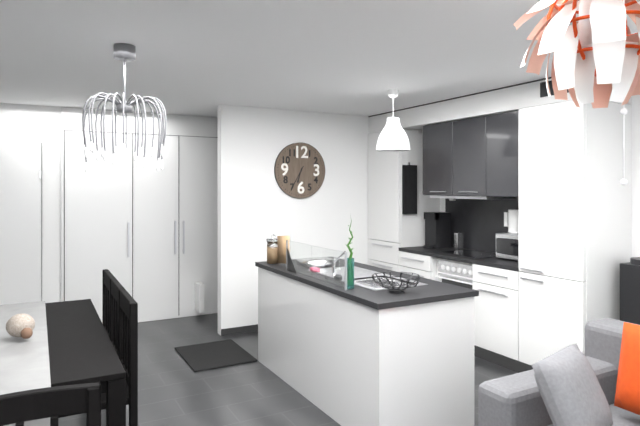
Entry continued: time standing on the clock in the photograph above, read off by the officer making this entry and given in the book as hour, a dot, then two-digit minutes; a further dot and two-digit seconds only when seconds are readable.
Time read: 6.35
